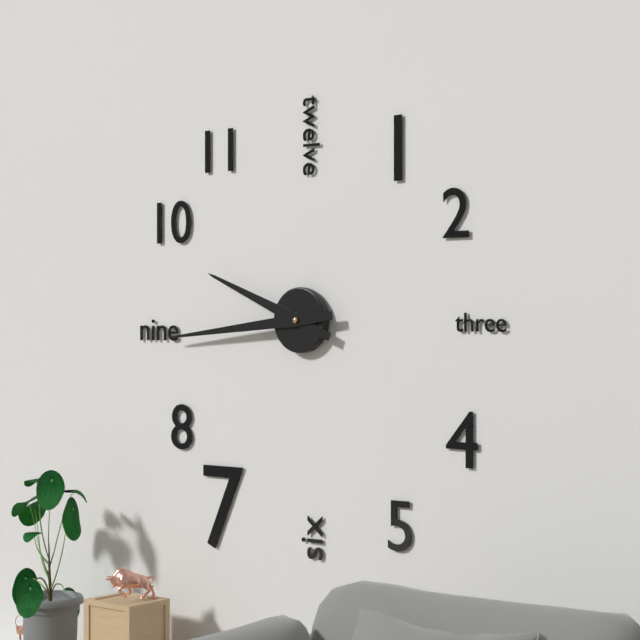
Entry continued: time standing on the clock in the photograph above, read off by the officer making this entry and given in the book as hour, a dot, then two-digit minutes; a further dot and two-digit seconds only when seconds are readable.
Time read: 9.44
